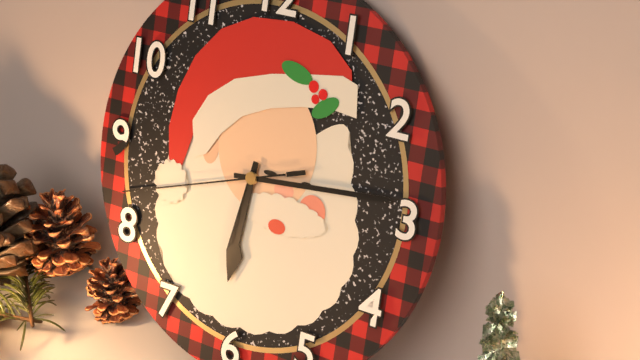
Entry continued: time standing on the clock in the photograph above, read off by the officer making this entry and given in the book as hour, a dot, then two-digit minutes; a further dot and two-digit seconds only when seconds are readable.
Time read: 6.14.42
